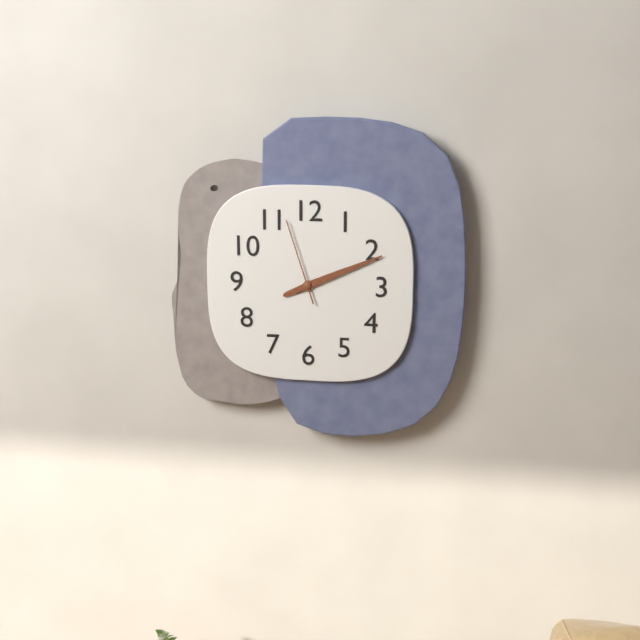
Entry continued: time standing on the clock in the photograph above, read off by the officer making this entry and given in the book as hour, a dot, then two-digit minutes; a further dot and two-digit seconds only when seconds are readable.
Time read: 2.11.57
